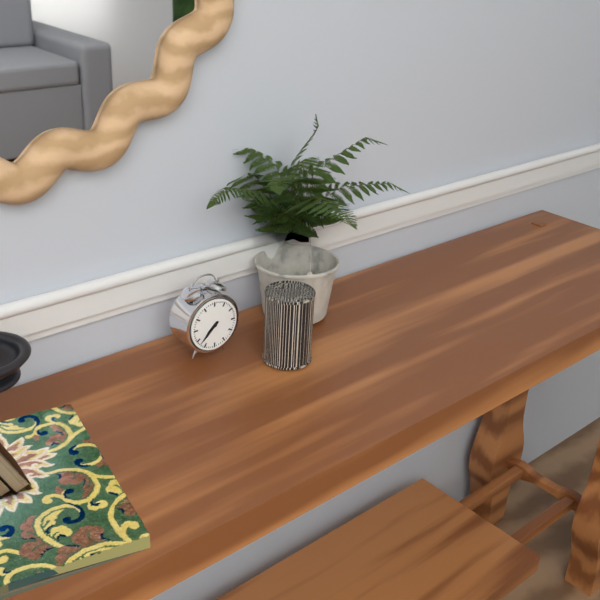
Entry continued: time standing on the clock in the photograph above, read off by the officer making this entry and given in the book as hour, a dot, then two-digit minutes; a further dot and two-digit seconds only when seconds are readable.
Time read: 7.38
